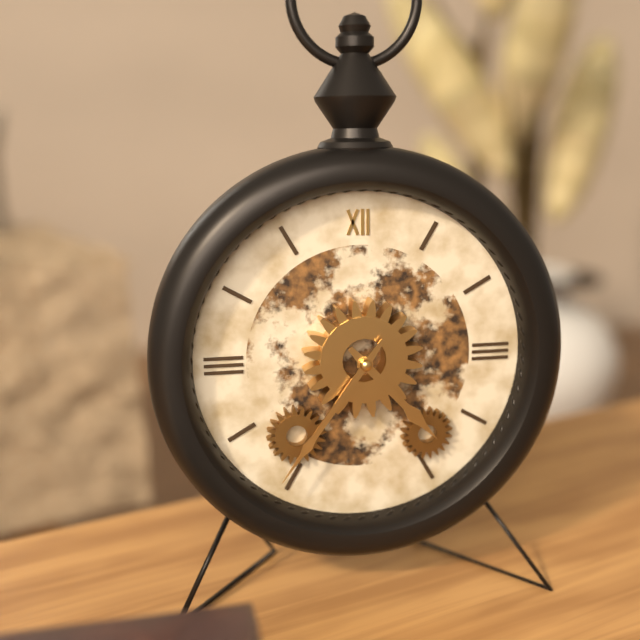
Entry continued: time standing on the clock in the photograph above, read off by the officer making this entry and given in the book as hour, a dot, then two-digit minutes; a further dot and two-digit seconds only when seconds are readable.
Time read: 4.36
